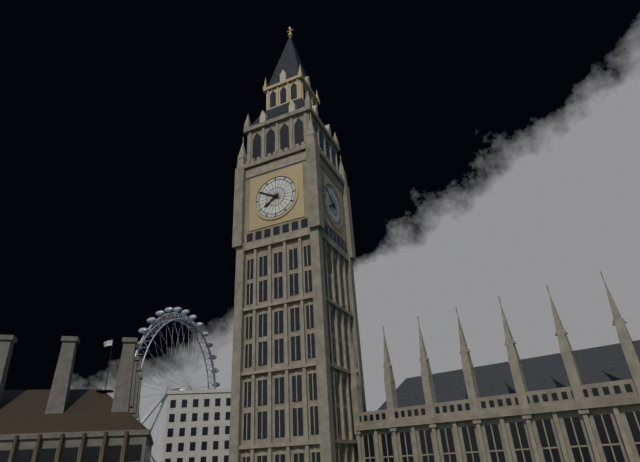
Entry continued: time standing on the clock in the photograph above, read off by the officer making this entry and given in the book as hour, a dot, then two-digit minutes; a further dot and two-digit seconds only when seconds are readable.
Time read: 7.50
